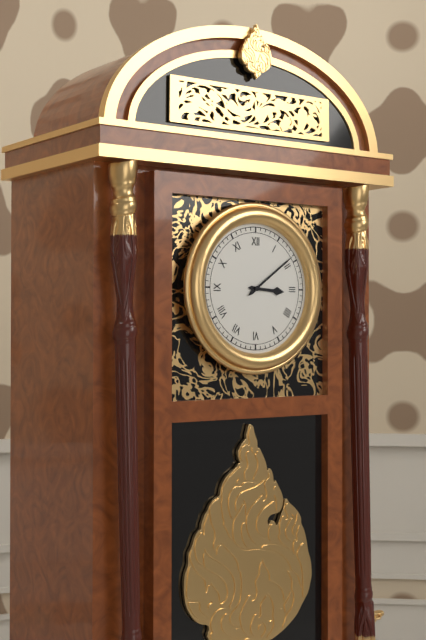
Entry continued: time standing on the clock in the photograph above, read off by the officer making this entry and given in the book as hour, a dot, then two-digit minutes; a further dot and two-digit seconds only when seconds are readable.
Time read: 3.09
